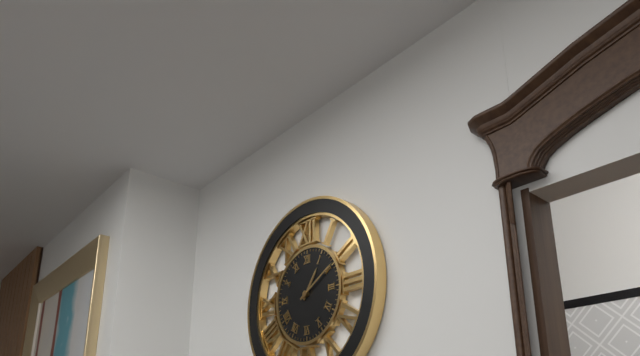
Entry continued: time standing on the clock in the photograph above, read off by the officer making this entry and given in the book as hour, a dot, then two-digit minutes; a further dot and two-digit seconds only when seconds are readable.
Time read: 1.10
